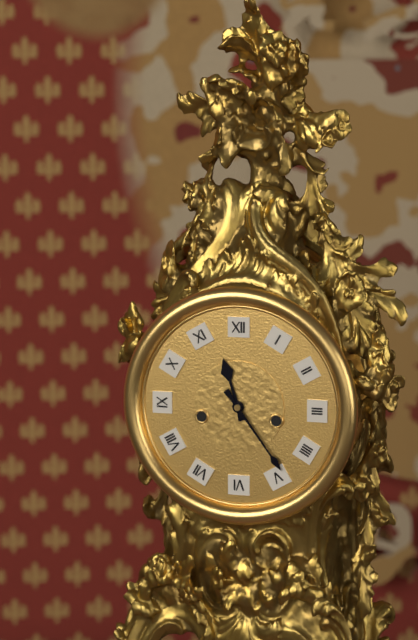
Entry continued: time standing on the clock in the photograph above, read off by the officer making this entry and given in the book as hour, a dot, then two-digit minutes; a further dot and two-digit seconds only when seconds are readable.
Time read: 11.24
